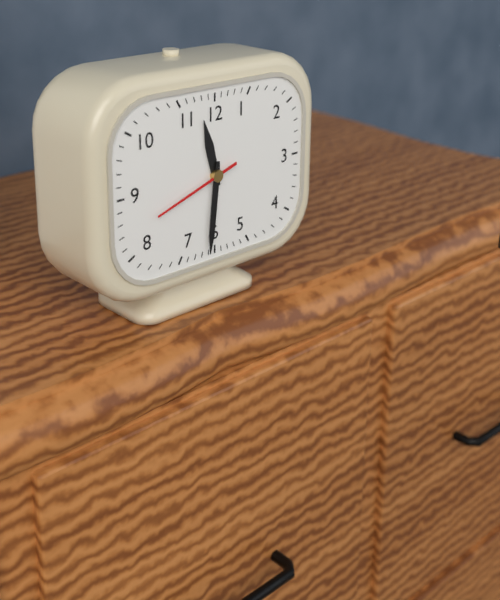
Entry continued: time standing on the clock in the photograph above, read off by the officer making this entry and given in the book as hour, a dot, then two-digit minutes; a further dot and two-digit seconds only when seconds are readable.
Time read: 11.31.42
